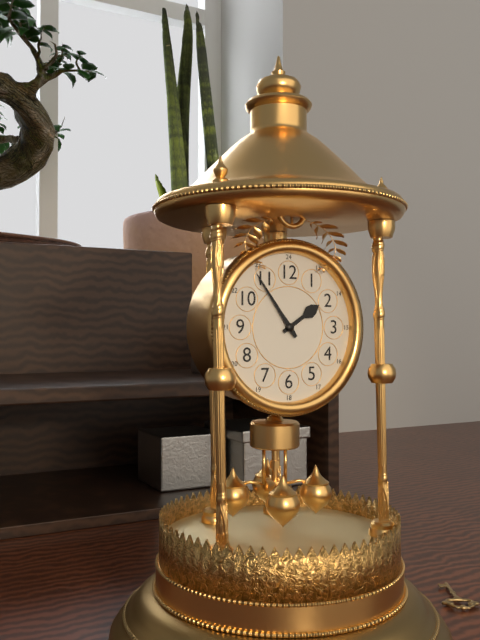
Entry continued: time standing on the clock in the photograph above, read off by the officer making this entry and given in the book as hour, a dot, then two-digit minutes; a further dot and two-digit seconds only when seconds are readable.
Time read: 1.54
